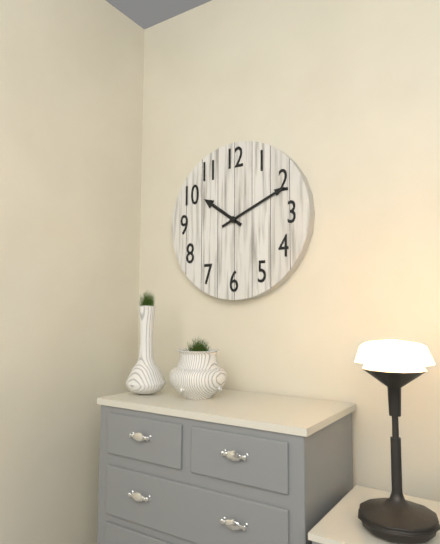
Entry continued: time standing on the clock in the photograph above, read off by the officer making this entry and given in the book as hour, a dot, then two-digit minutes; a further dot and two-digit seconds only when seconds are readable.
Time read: 10.11
